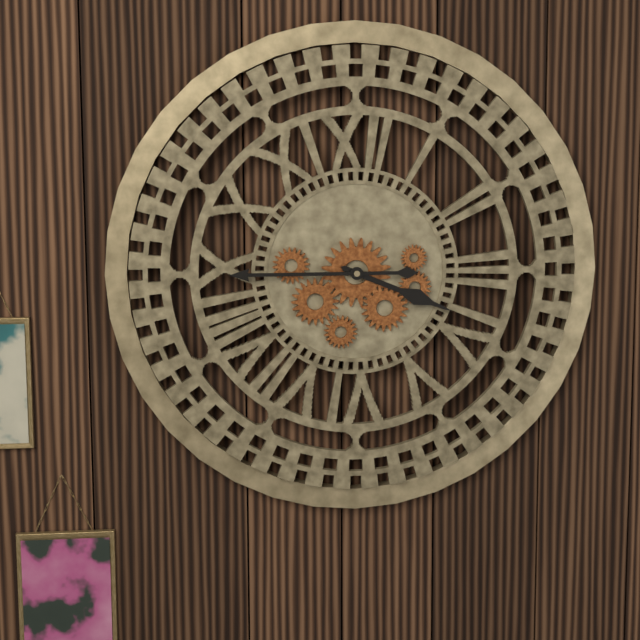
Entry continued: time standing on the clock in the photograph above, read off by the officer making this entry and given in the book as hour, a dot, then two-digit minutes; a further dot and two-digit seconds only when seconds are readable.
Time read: 3.45
